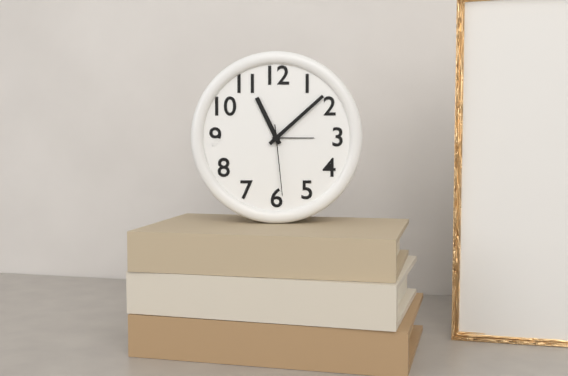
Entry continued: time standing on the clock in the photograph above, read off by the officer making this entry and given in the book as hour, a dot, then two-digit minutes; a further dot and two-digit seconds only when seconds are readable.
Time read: 11.08.29
